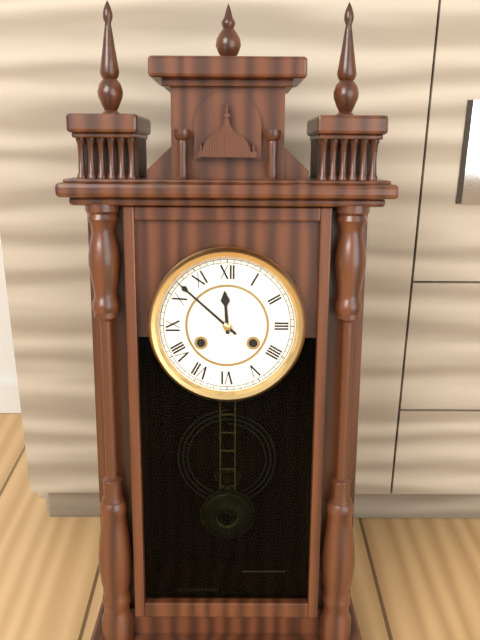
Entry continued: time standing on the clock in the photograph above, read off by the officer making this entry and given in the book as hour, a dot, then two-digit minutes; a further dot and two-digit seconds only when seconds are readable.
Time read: 11.52
